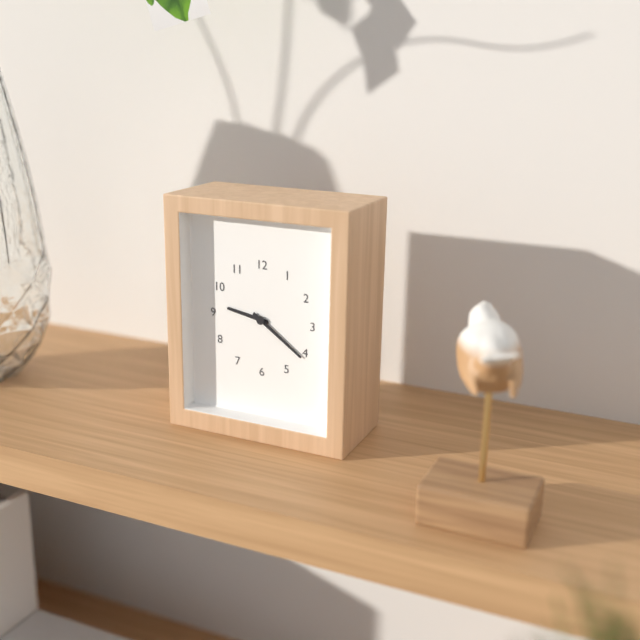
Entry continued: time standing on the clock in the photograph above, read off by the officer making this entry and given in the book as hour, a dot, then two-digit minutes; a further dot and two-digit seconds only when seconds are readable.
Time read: 9.21
